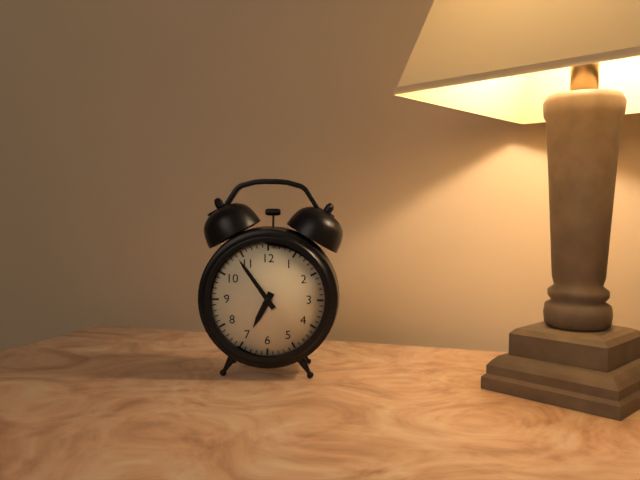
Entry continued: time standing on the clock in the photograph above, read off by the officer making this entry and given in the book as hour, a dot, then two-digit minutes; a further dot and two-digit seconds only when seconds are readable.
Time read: 6.54
